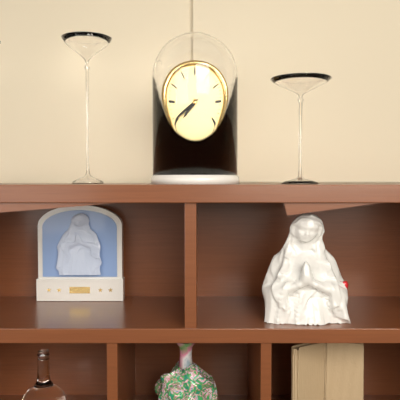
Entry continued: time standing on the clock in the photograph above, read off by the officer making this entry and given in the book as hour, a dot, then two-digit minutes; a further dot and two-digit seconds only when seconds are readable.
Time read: 7.40
